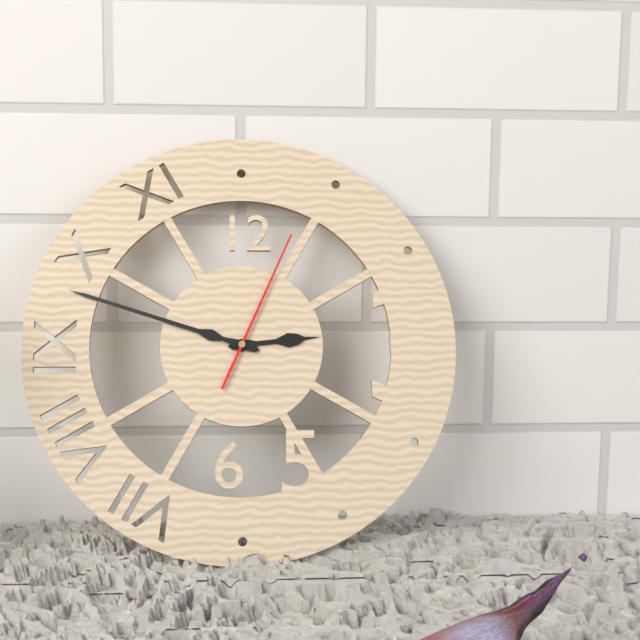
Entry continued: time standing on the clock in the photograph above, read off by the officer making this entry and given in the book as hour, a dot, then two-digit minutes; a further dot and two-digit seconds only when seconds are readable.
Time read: 2.48.04
